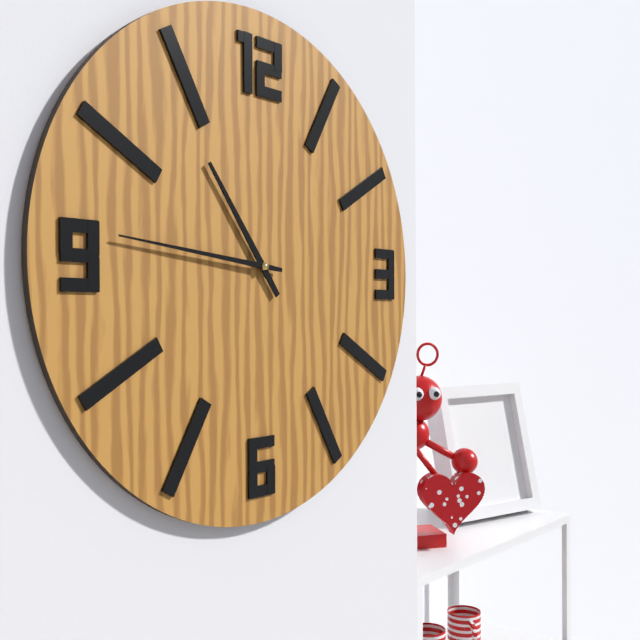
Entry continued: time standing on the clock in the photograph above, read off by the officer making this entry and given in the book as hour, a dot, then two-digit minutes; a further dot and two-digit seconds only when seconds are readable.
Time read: 10.46
